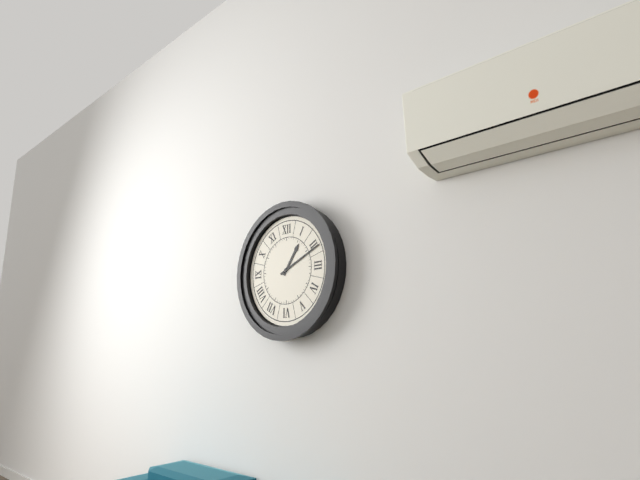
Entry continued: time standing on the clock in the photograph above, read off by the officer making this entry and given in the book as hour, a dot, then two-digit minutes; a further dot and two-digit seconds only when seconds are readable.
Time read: 1.11
